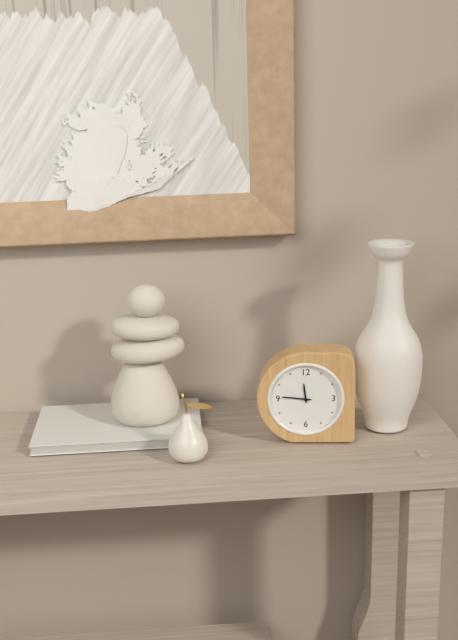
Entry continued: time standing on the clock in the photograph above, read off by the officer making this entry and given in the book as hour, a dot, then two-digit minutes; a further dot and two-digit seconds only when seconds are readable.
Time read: 11.46
